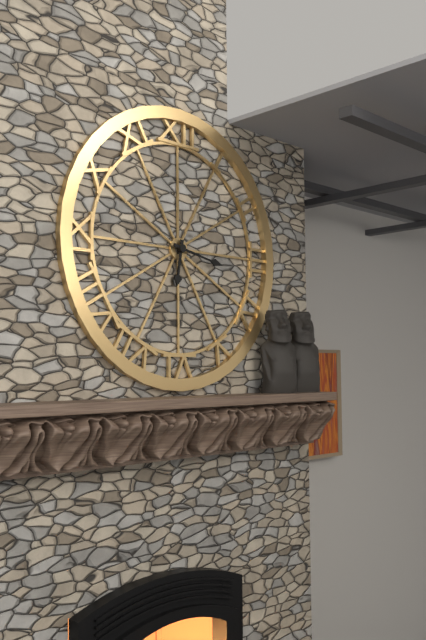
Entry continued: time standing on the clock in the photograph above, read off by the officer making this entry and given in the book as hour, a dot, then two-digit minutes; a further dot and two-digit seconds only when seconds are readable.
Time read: 6.17
